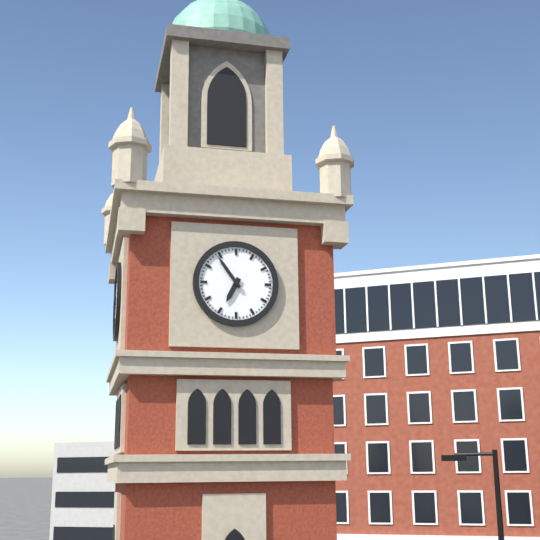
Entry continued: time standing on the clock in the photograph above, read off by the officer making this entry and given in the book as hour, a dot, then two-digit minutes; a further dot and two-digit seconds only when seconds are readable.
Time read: 6.54
